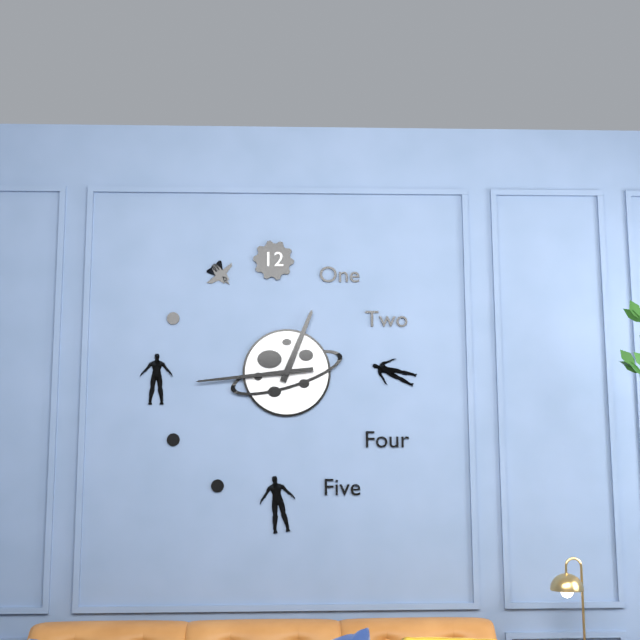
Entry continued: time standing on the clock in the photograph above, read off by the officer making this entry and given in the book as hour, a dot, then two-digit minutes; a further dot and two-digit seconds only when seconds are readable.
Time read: 12.44
